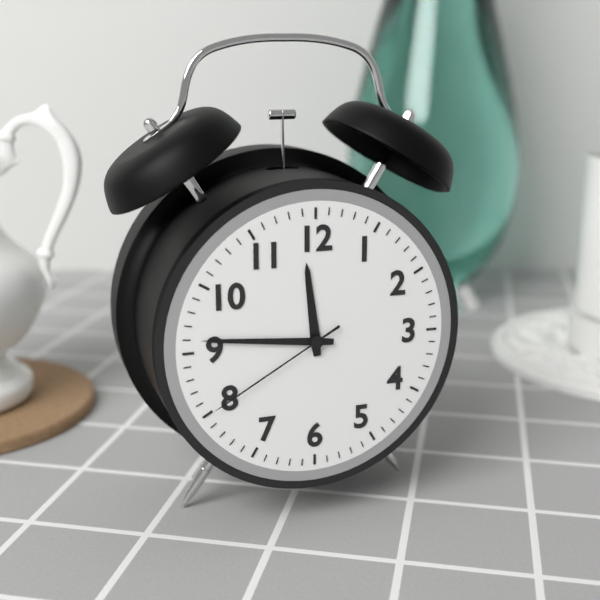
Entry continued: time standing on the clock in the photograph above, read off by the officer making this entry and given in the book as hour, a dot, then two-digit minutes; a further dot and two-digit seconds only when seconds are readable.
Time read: 11.46.40
